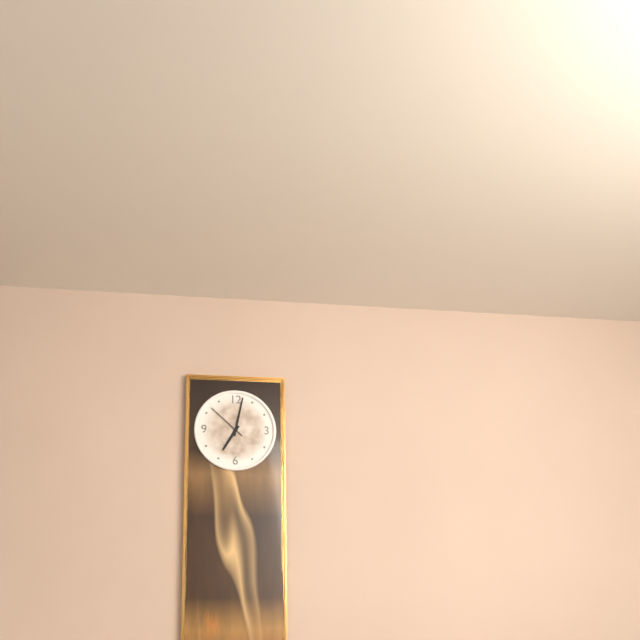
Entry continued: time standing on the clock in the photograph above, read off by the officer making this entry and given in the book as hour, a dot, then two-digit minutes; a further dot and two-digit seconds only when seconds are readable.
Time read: 7.02
